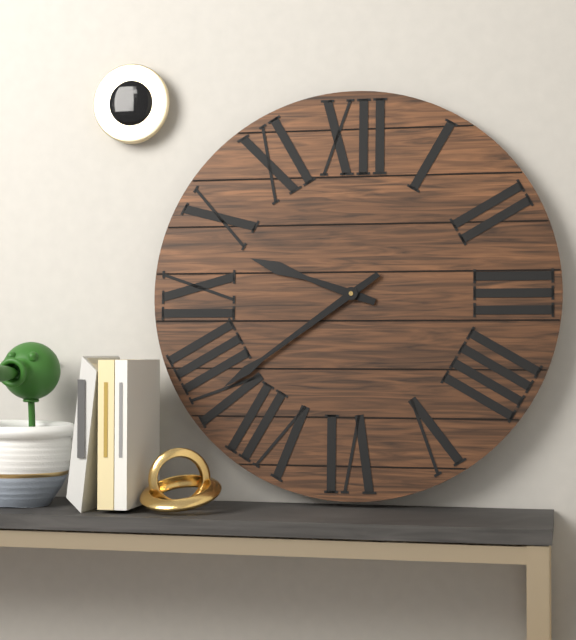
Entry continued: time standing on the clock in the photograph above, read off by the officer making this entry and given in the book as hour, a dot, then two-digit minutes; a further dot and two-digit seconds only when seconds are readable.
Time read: 9.39
